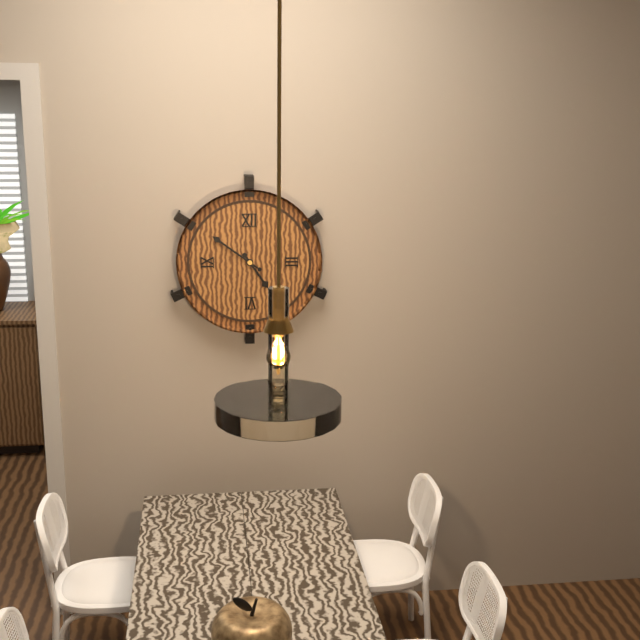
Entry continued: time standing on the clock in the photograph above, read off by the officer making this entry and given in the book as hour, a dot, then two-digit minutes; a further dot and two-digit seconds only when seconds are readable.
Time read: 4.51
